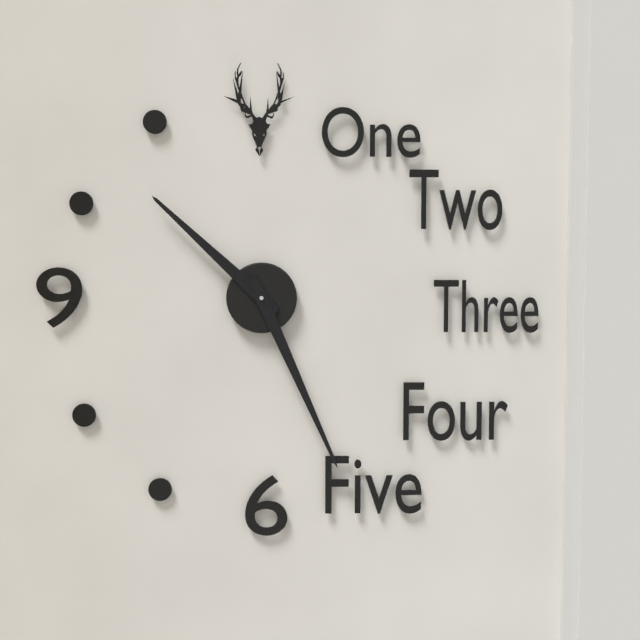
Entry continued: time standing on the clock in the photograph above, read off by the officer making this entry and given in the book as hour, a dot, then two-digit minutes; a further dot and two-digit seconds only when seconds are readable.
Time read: 10.26
